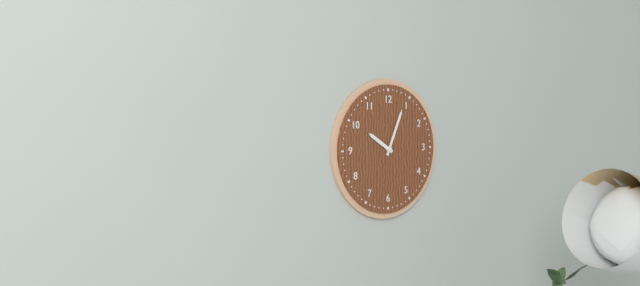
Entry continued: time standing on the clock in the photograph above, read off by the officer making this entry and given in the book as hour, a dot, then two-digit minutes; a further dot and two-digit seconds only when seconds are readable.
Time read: 10.04
